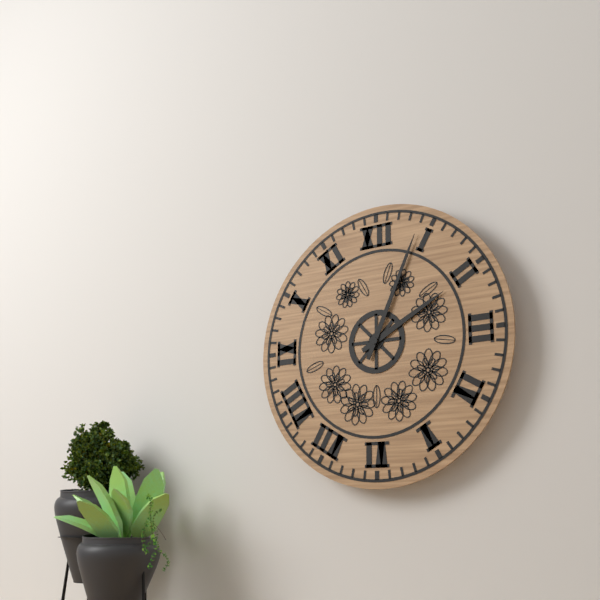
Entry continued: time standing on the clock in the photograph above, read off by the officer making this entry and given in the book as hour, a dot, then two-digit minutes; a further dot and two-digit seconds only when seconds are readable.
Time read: 2.04
